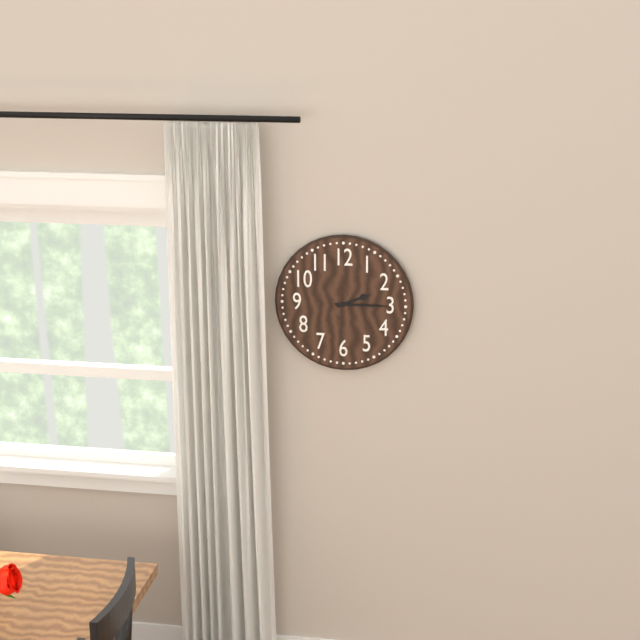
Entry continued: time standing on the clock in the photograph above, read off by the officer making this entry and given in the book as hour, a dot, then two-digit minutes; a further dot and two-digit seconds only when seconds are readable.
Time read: 2.15
